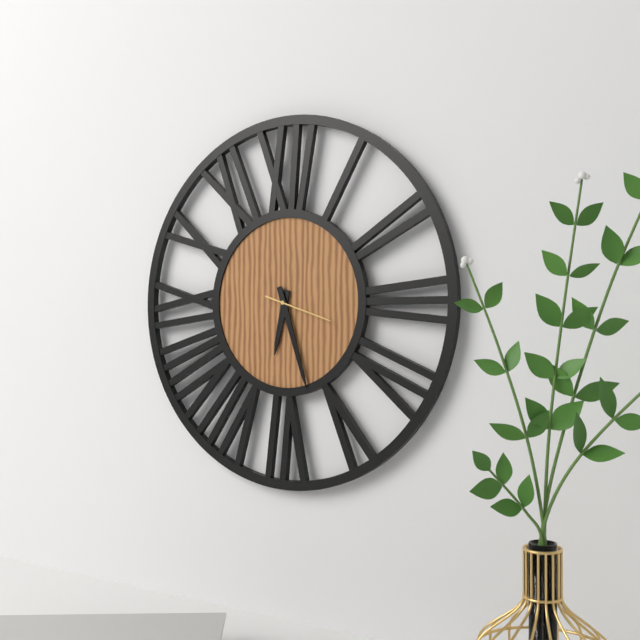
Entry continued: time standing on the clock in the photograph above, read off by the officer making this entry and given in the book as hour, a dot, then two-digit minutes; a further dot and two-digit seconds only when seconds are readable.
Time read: 6.27.18
